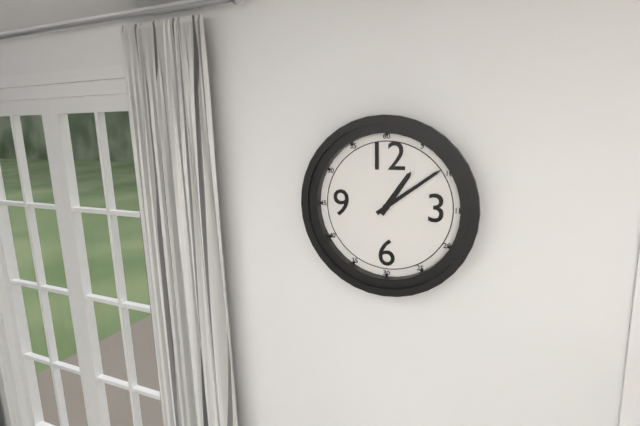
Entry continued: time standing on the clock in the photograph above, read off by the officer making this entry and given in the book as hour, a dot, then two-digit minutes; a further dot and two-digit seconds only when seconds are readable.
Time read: 1.09
